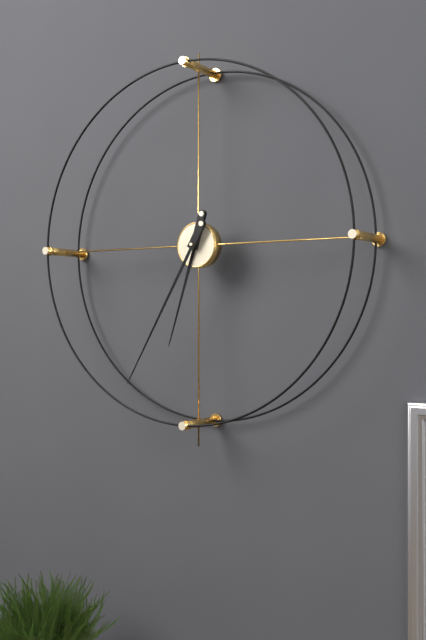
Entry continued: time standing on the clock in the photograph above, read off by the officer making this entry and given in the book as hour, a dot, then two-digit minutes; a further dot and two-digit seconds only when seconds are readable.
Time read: 6.35
